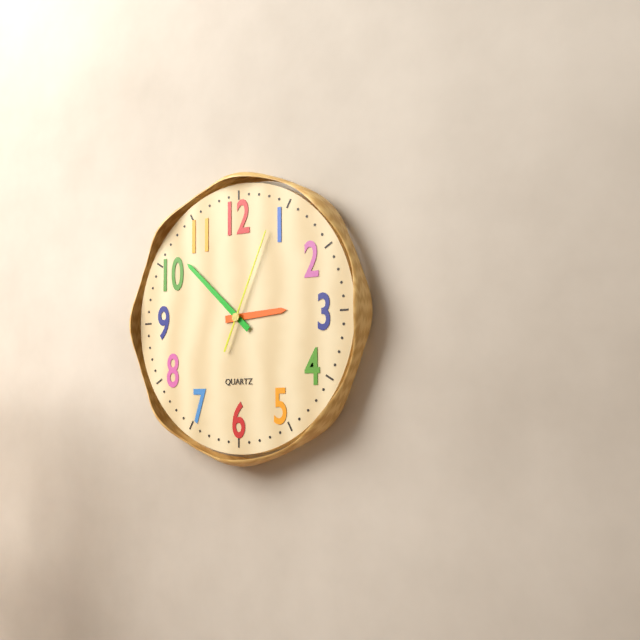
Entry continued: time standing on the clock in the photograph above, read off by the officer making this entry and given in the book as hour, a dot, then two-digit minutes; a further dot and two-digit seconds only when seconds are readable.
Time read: 2.52.04
